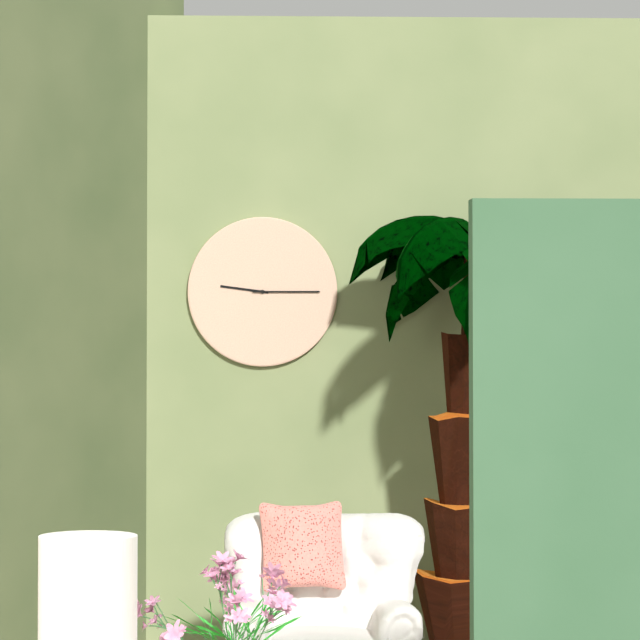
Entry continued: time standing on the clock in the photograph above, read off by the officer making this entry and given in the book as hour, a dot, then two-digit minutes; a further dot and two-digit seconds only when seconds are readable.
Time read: 9.15
